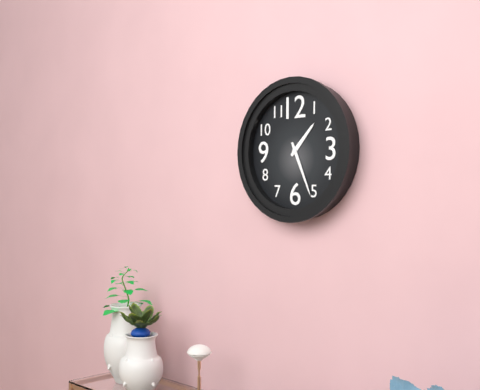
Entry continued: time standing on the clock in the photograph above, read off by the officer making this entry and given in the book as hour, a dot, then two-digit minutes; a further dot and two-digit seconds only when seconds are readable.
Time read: 1.26
